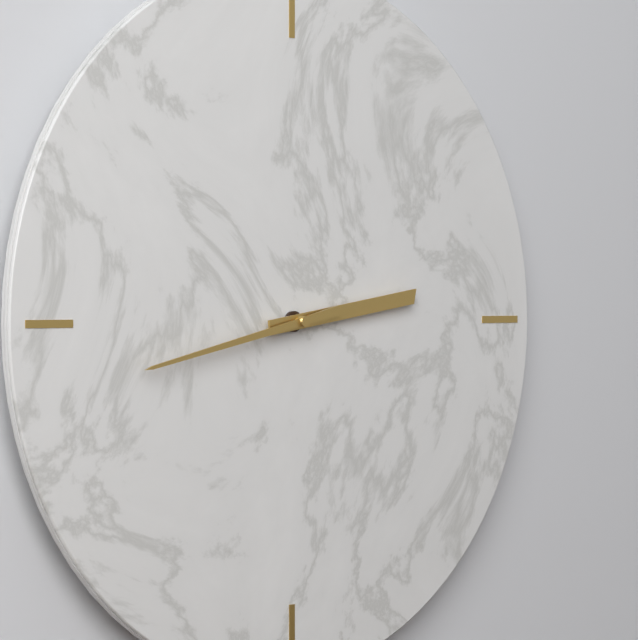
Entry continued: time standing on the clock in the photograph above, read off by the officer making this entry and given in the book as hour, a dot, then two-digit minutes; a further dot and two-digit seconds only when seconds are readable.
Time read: 2.43
